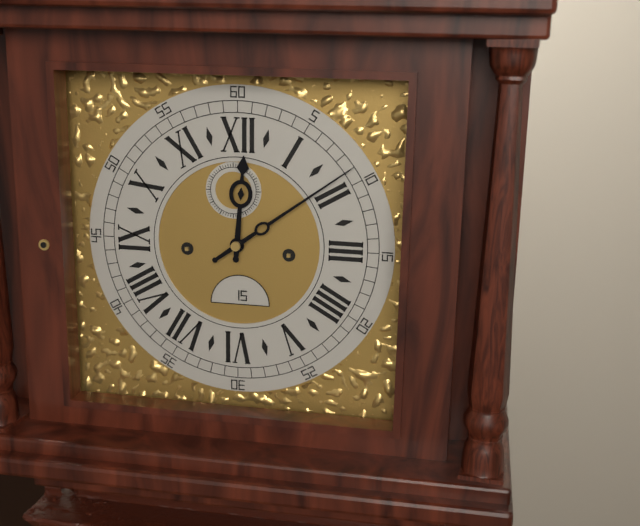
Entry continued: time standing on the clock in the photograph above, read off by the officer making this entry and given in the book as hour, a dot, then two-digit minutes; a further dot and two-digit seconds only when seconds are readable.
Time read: 12.09
